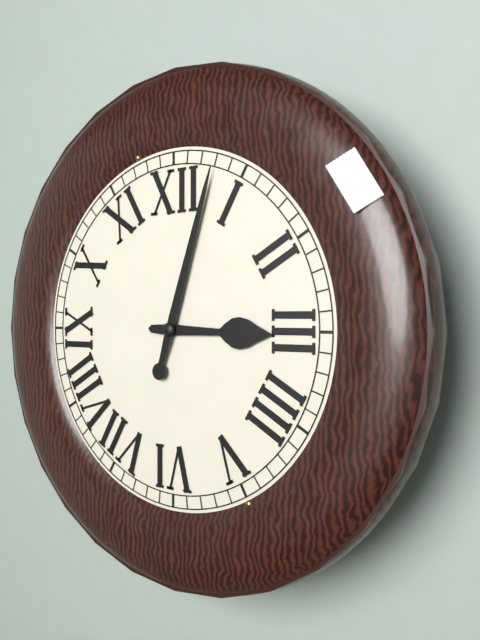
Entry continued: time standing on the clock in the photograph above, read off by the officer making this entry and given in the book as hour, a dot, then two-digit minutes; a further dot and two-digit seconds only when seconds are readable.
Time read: 3.03
